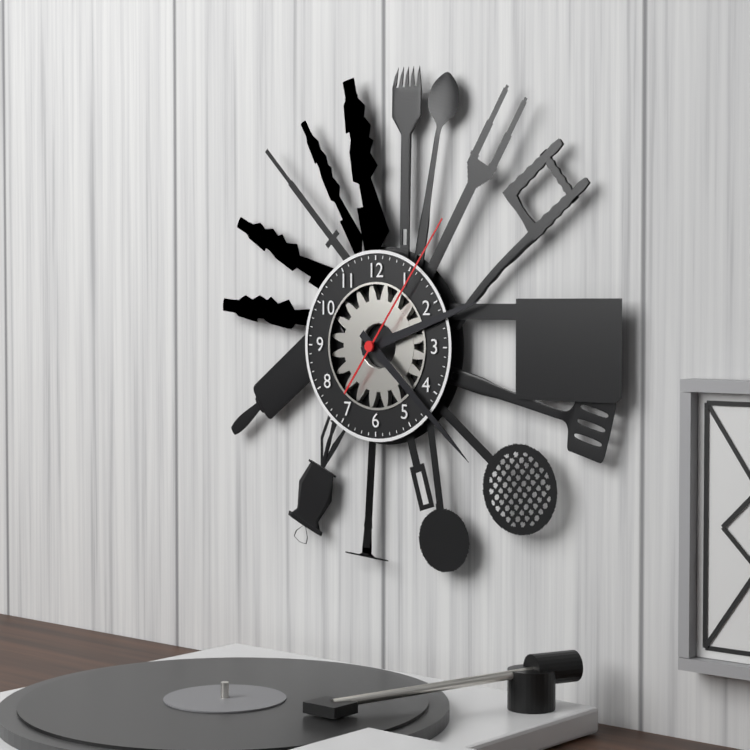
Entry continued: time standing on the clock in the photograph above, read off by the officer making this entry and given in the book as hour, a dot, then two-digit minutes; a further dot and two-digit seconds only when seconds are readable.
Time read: 2.22.06
